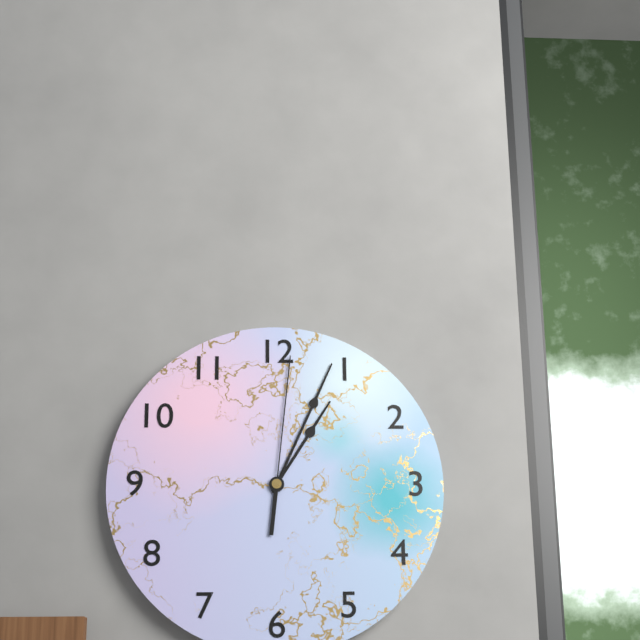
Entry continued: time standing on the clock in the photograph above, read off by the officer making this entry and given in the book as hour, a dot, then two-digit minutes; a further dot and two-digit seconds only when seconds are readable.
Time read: 1.04.01
